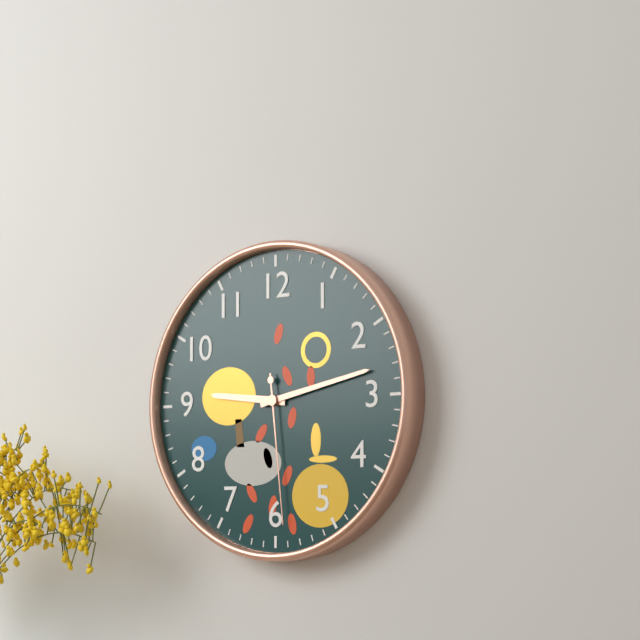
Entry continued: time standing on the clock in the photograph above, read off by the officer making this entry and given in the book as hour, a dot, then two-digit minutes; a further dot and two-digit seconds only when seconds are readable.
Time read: 9.13.29
